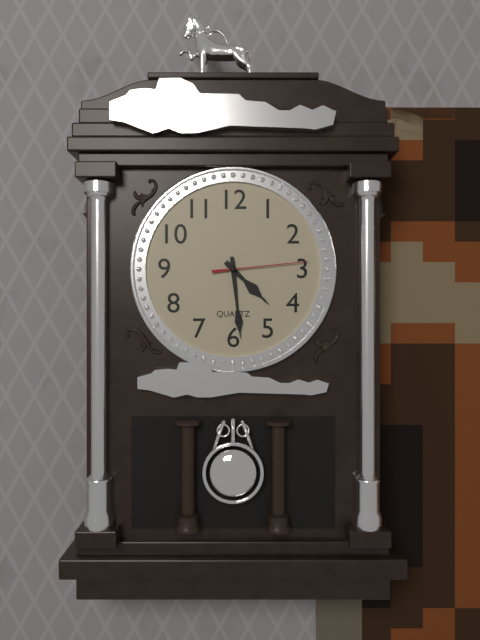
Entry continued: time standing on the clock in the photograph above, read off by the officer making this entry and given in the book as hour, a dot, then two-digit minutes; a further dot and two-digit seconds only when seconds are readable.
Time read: 4.29.14
